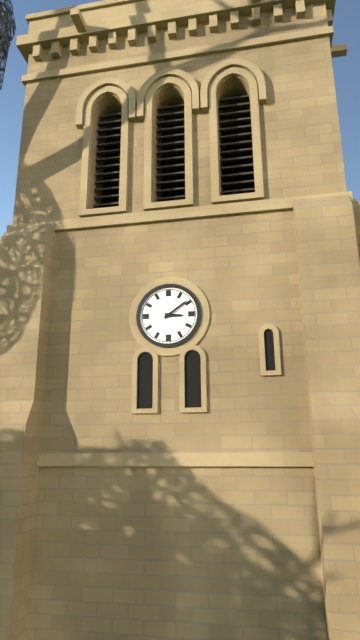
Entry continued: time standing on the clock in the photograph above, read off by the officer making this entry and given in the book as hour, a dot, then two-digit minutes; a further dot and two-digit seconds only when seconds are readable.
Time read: 3.09
